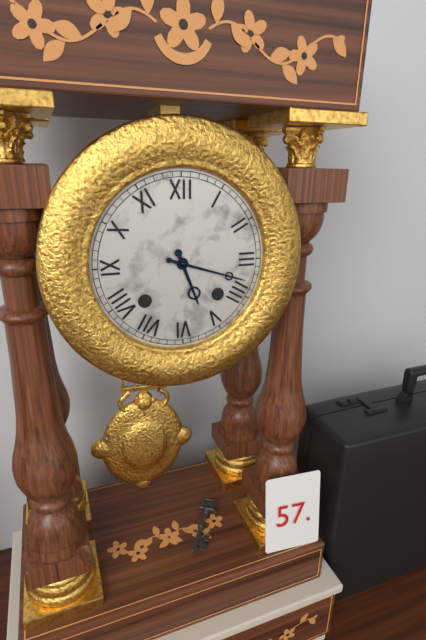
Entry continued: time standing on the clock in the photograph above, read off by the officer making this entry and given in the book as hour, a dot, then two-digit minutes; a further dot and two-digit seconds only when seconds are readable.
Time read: 5.18
